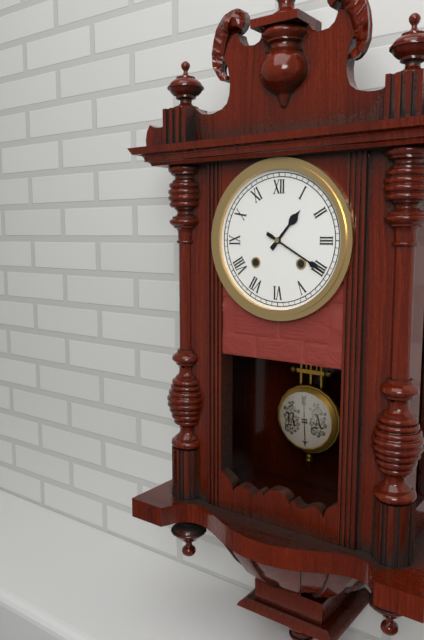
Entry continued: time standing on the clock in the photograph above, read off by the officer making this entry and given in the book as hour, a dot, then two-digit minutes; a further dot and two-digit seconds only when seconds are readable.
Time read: 1.20
